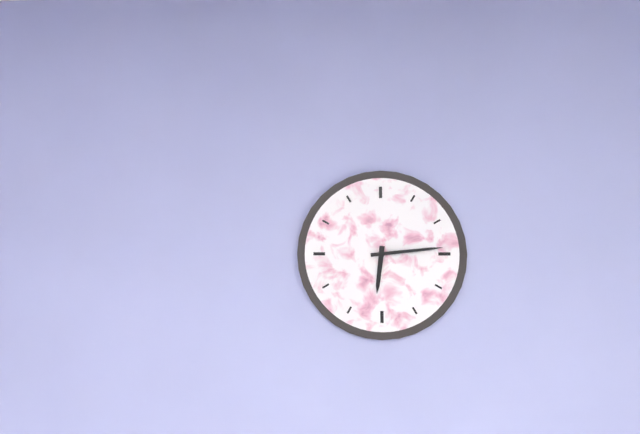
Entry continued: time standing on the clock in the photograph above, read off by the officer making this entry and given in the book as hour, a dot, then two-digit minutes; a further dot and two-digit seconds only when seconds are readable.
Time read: 6.14
